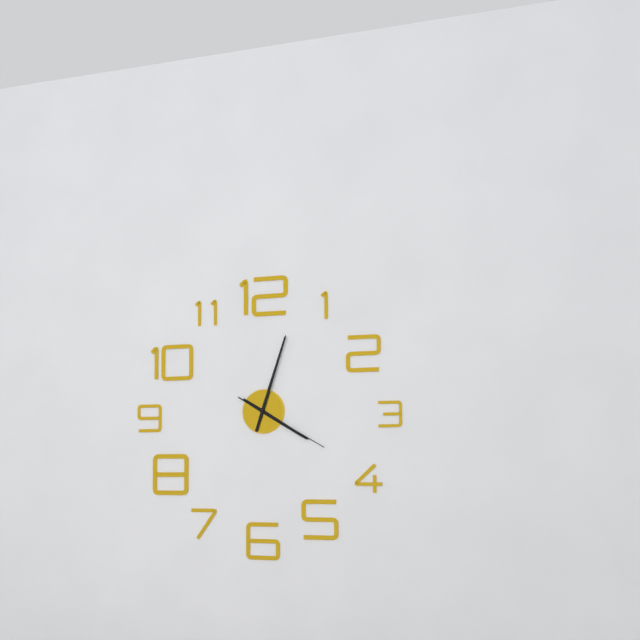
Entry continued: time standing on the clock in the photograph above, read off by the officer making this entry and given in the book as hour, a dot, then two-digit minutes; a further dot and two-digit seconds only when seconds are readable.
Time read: 4.03.20
